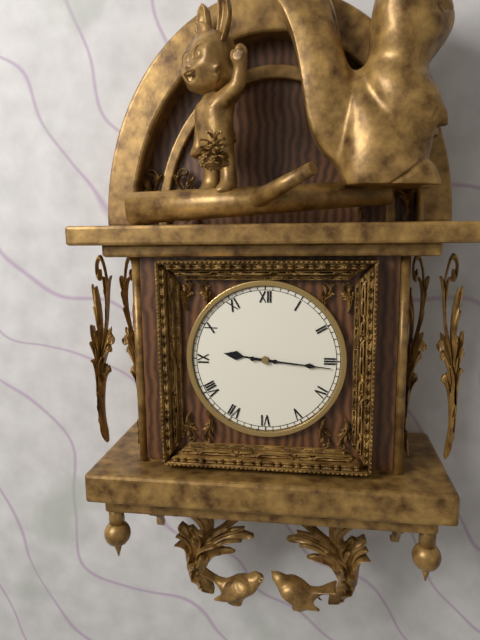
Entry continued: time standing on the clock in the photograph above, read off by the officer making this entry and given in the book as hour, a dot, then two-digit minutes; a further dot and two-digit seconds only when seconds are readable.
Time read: 9.16
